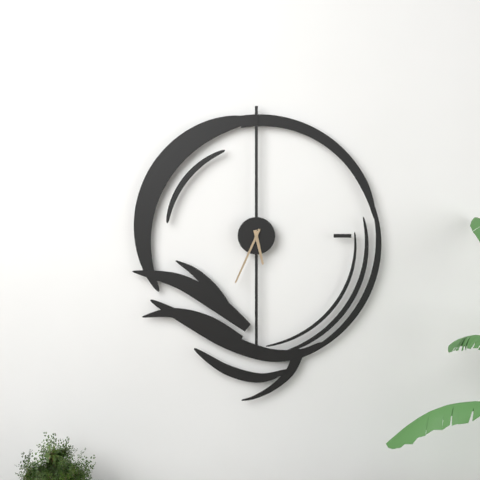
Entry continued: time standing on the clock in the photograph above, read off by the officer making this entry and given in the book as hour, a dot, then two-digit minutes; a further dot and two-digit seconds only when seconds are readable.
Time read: 5.34
